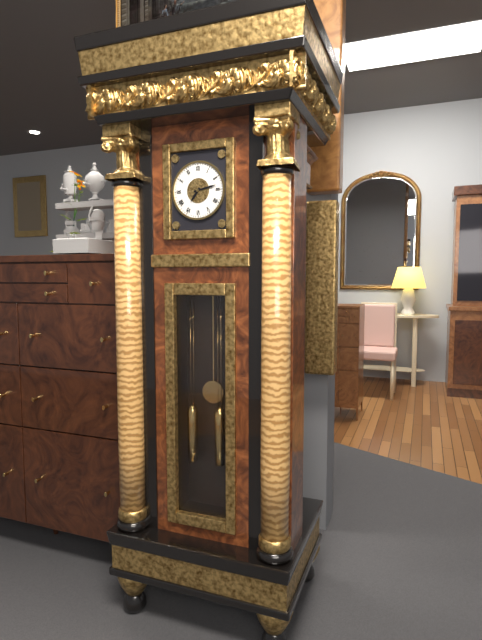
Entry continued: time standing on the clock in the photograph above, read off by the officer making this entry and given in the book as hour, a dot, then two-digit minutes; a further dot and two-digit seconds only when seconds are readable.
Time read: 7.13
